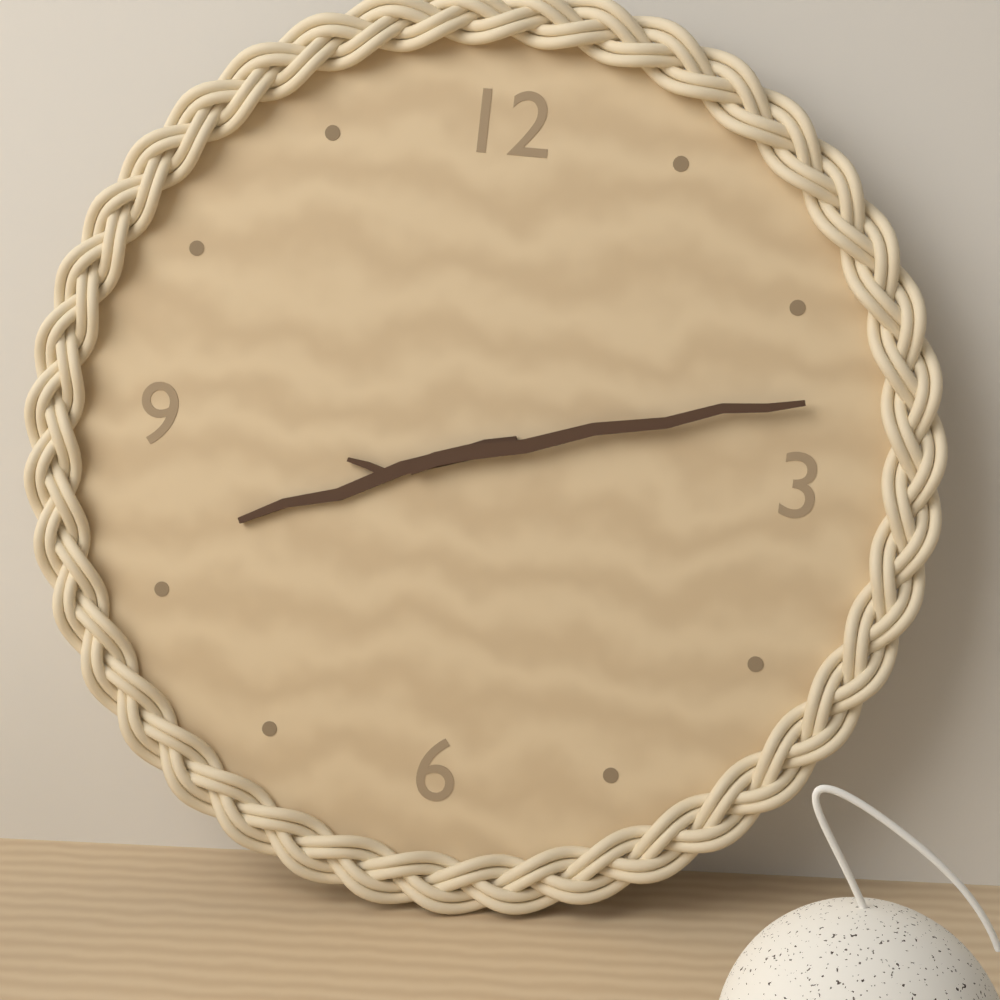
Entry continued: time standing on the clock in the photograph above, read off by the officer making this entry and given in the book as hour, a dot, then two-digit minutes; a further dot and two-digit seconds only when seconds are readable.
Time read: 8.12
